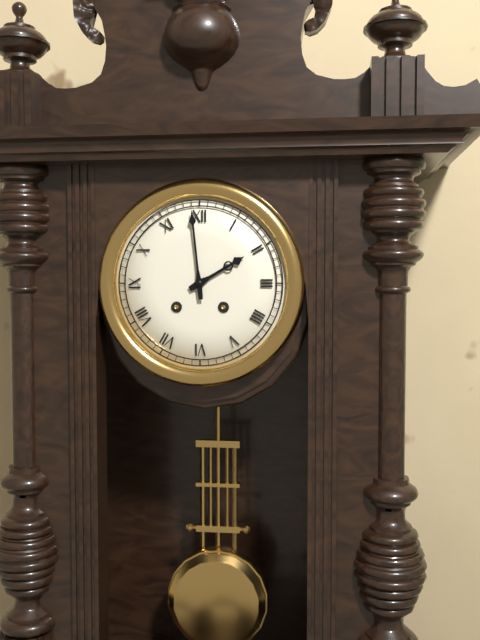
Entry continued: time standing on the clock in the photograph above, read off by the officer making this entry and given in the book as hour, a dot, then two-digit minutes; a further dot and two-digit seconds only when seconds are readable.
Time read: 1.59
